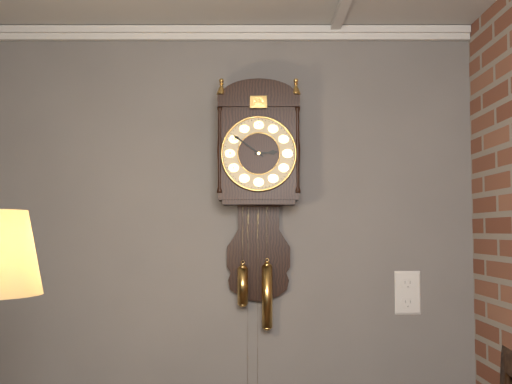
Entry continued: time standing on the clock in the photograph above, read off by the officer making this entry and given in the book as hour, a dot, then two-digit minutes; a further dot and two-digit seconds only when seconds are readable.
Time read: 2.51
